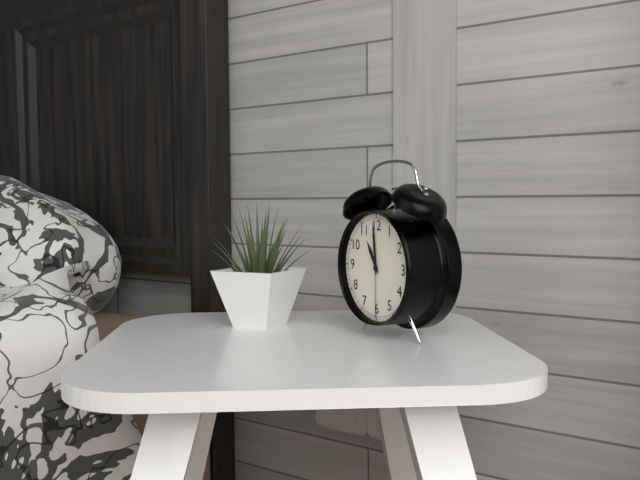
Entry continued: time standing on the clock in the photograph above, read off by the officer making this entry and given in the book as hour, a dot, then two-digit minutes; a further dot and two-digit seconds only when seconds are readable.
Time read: 10.59.30
